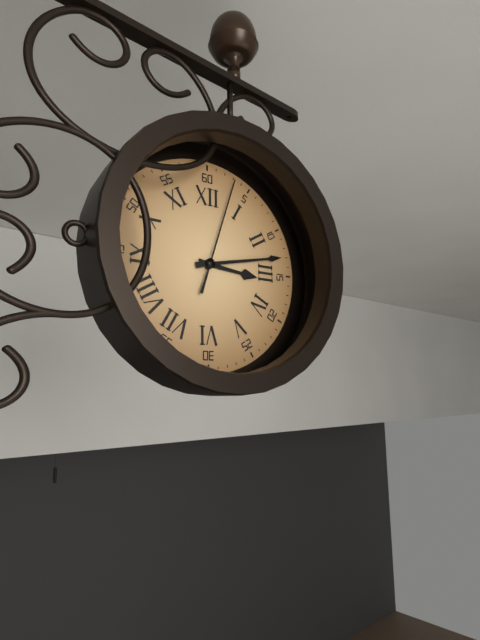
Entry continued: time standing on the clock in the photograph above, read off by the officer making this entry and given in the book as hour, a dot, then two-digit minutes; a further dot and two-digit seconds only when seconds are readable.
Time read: 3.13.03
